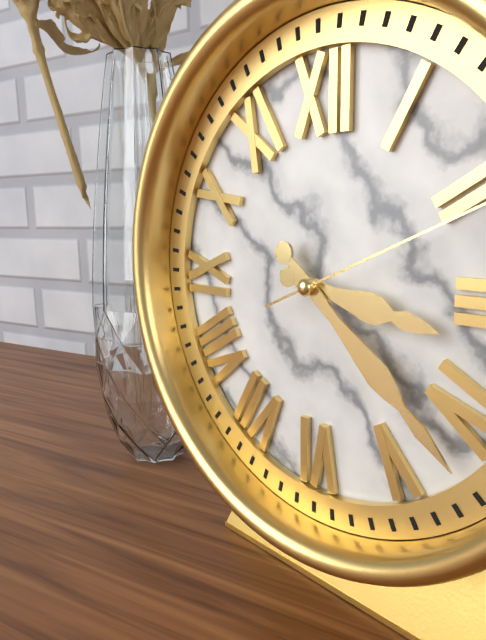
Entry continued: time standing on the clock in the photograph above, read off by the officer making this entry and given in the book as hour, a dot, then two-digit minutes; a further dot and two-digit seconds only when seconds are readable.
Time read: 3.22
